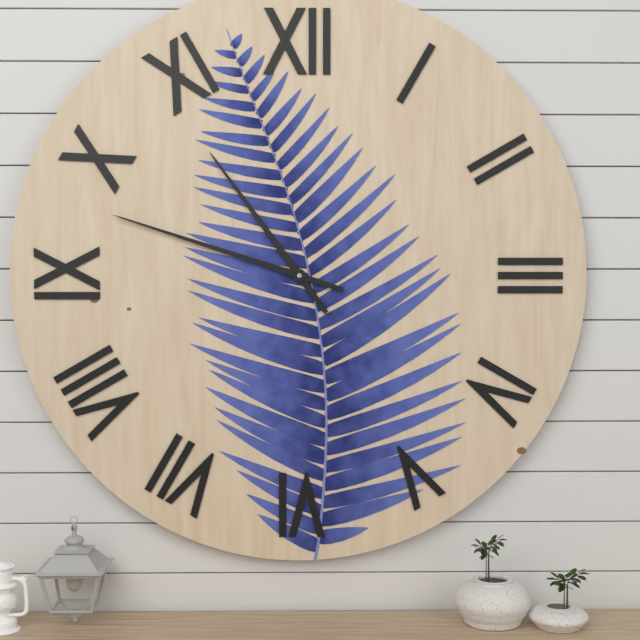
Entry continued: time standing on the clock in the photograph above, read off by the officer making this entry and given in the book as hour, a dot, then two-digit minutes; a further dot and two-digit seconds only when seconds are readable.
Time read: 10.48
